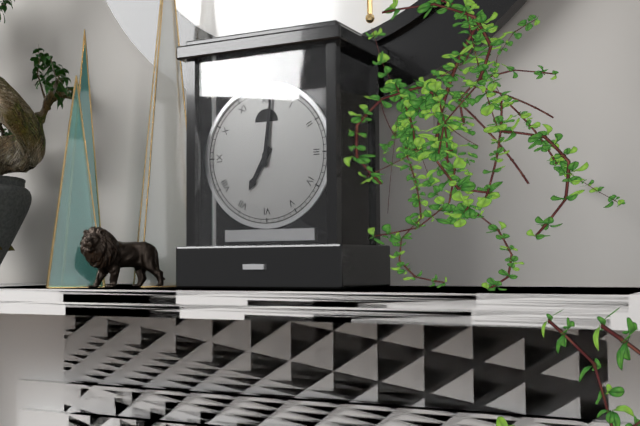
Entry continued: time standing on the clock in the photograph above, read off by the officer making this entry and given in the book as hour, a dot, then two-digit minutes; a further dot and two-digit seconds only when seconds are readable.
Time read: 7.01
